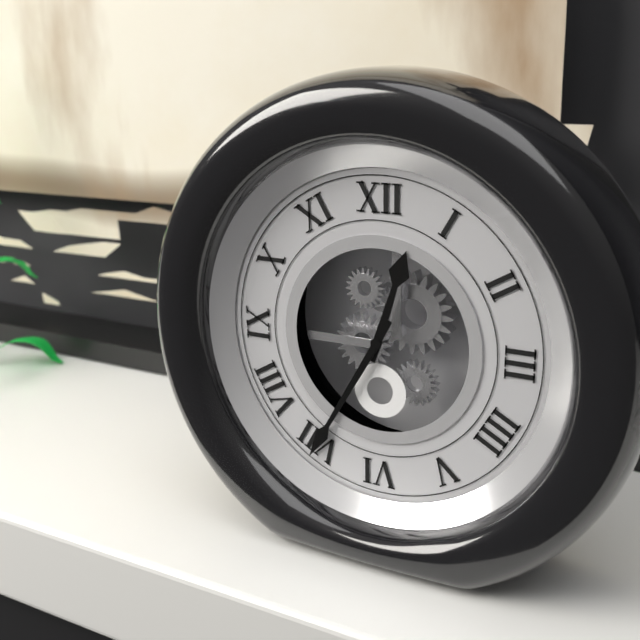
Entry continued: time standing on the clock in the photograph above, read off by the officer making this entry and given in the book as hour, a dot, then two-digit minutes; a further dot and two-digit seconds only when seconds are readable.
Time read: 12.35
